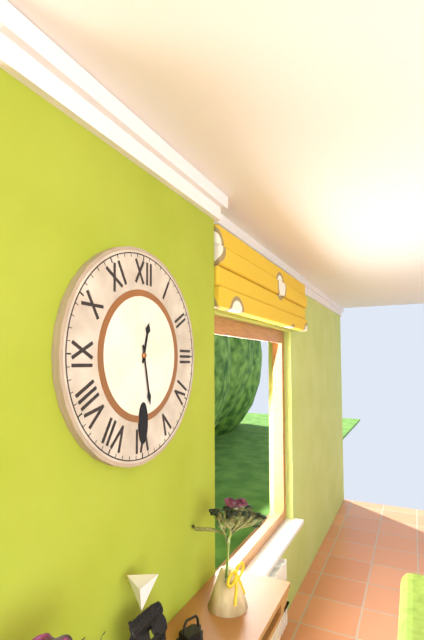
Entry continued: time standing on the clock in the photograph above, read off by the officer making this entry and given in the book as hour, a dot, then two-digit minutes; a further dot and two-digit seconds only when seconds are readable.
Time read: 12.28
